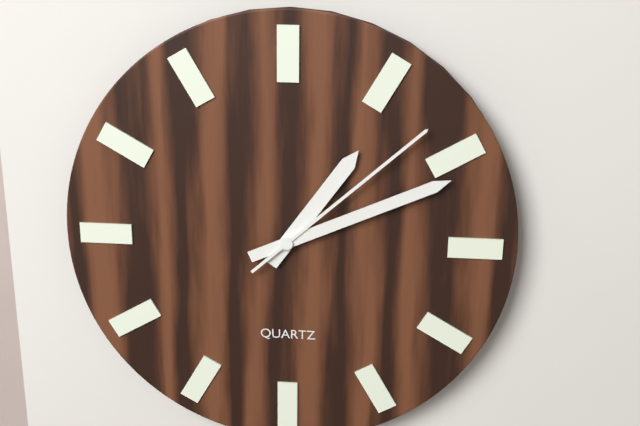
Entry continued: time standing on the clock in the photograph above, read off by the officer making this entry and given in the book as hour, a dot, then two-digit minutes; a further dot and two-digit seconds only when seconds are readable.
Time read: 1.11.08
